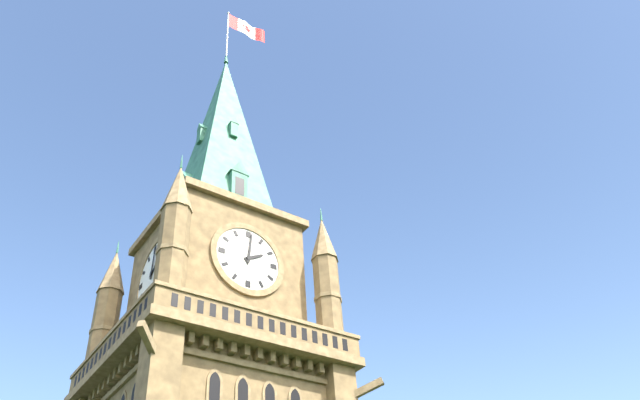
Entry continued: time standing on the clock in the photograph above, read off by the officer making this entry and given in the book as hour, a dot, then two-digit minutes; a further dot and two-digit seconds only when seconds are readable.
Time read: 2.01
